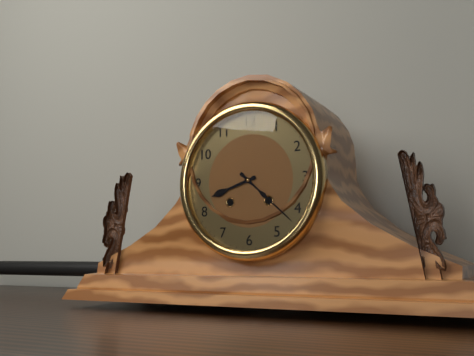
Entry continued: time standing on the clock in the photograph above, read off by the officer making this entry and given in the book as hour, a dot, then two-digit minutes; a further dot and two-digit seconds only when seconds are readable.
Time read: 8.22
